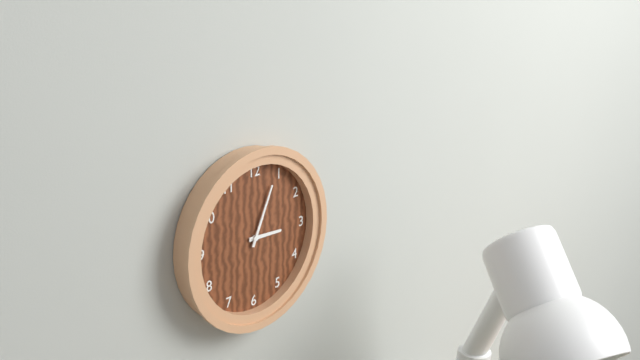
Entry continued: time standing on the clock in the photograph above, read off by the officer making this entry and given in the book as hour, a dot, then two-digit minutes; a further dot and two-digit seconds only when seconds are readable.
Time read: 3.04
